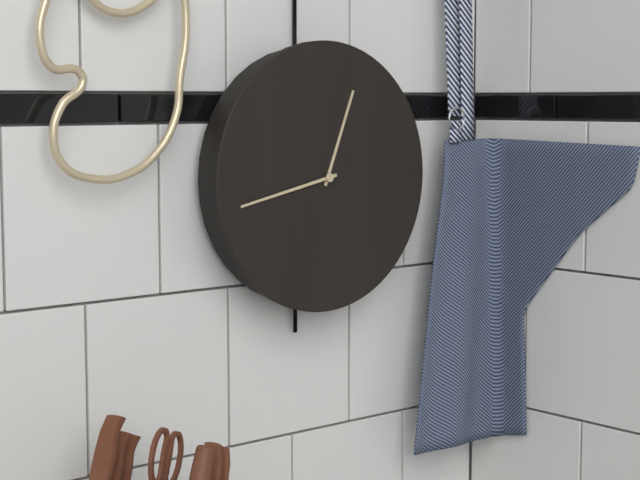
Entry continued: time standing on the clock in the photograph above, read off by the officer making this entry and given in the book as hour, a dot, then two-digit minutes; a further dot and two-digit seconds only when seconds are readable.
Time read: 12.43
